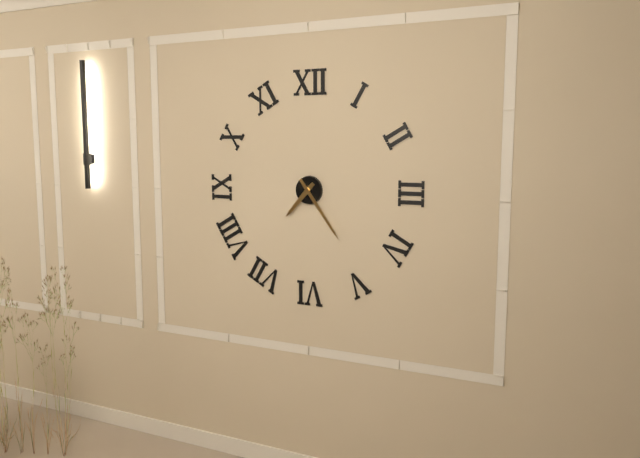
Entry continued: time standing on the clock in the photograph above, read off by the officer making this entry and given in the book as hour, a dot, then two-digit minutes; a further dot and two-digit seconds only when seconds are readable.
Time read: 7.24
